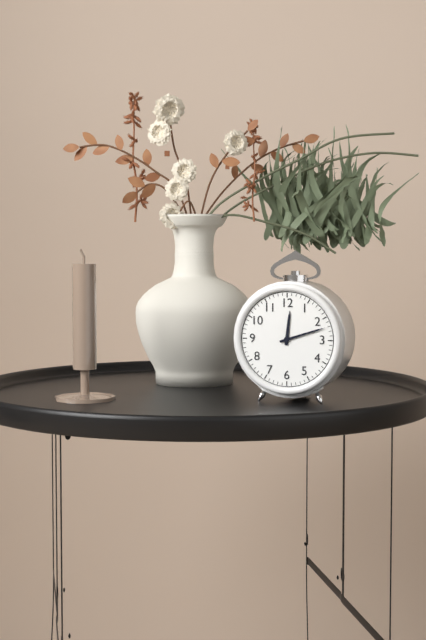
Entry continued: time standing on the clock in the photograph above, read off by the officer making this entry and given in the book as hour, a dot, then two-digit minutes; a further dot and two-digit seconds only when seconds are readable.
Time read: 12.12
